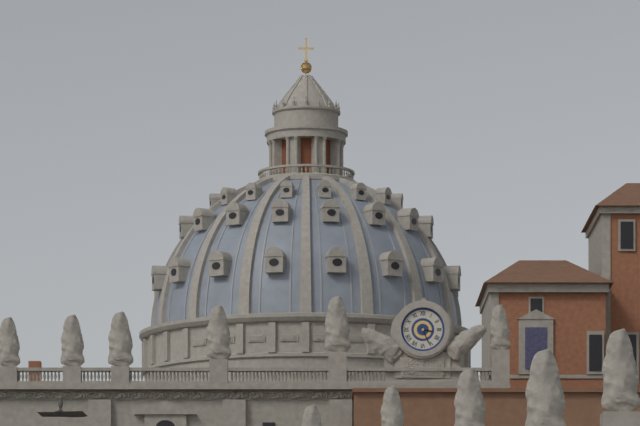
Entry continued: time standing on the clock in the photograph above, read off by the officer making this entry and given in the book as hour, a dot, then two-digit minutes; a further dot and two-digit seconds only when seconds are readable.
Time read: 3.26
